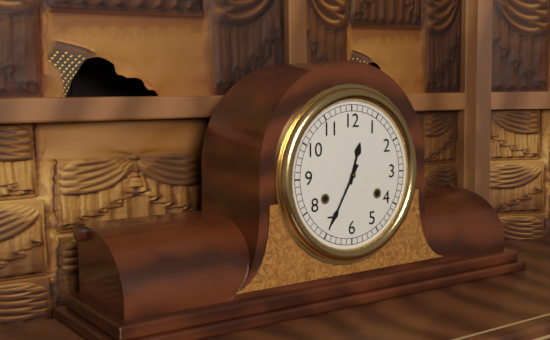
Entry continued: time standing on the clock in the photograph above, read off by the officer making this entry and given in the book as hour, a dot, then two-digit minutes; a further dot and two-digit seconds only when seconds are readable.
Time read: 12.35
